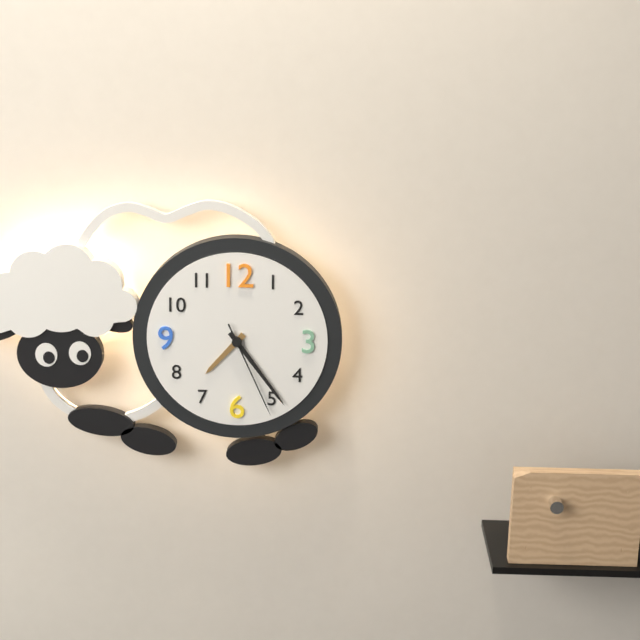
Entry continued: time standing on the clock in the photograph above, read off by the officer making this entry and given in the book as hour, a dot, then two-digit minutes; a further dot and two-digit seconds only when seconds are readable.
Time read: 7.24.26
